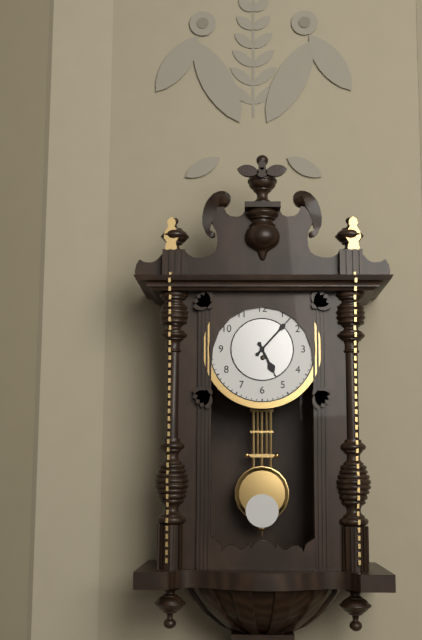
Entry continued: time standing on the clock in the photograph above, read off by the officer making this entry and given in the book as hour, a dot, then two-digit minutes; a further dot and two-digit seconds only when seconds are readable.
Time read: 5.07
